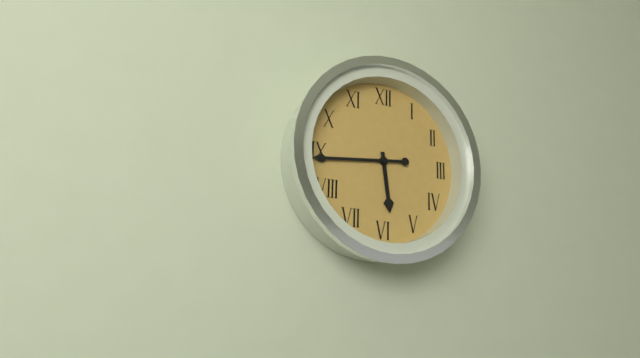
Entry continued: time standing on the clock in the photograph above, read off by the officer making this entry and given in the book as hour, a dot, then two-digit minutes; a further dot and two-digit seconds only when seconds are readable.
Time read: 5.44
